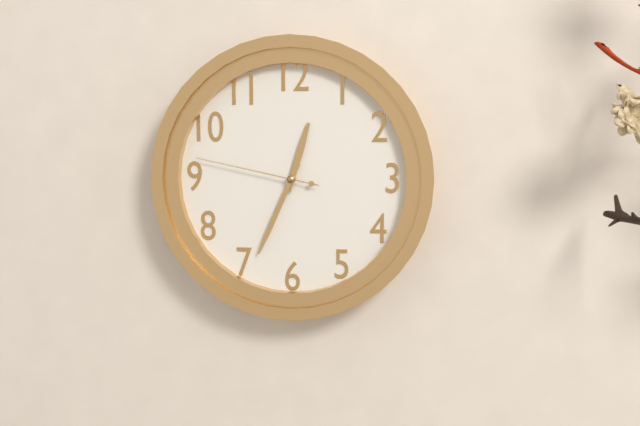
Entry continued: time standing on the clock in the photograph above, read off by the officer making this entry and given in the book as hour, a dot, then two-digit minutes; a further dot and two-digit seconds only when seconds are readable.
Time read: 12.34.47
